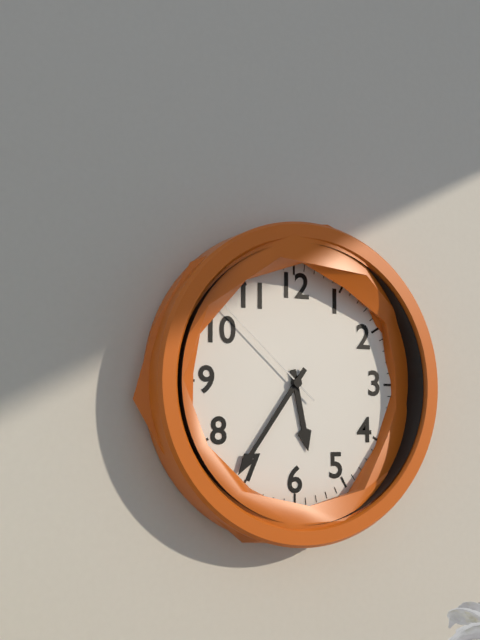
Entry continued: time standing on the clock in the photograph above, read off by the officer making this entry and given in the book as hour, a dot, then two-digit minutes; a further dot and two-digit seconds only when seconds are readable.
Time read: 5.36.52
